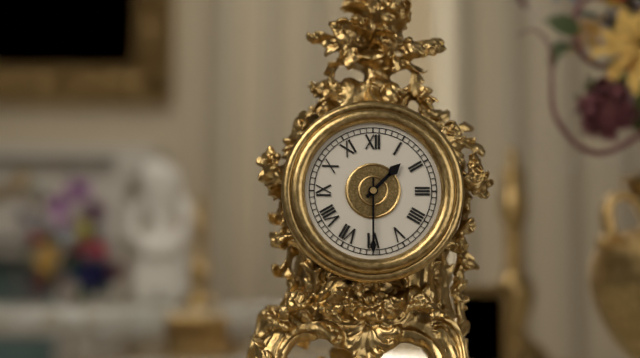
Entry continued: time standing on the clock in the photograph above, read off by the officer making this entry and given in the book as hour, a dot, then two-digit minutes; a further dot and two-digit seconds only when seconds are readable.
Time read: 1.30
